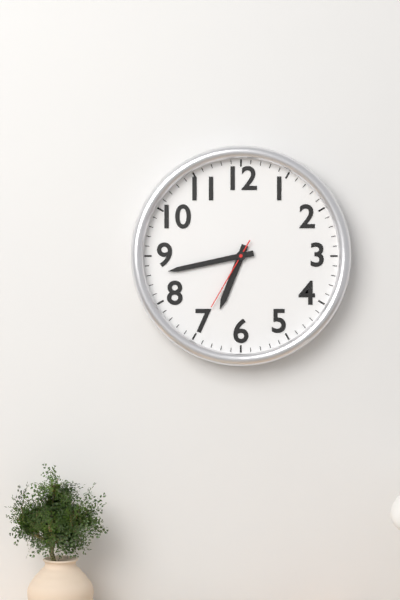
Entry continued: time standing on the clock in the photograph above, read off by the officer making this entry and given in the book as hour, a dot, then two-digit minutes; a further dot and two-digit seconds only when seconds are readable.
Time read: 6.43.35
